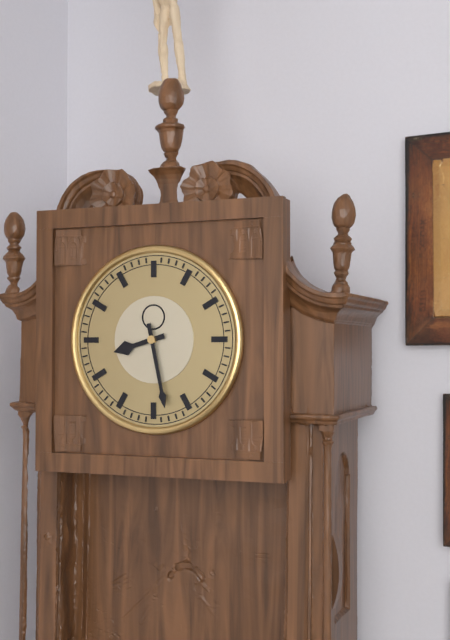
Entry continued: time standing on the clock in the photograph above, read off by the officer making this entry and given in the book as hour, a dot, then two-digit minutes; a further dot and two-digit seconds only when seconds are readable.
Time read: 8.28
